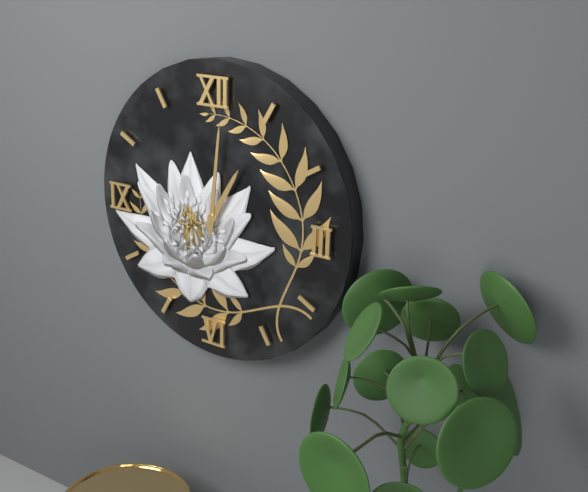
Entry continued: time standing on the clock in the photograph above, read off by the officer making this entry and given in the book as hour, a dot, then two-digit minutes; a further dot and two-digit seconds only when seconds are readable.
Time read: 1.01
